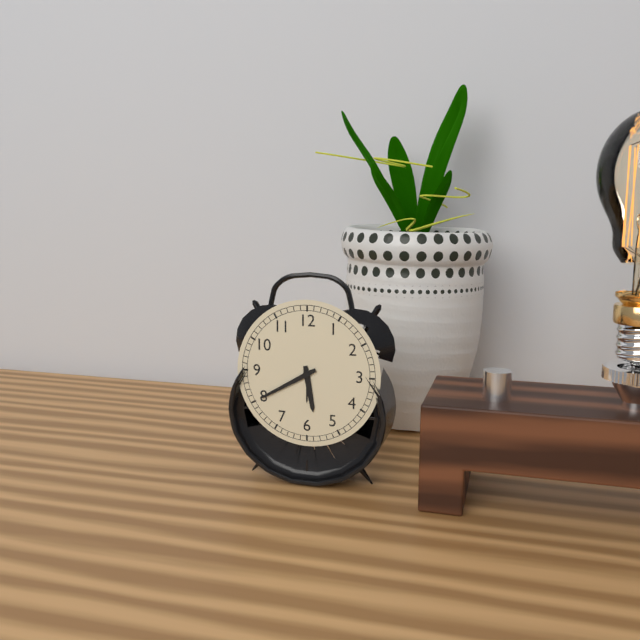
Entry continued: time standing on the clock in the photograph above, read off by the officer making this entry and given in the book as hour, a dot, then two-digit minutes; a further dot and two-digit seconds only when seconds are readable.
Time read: 5.40
